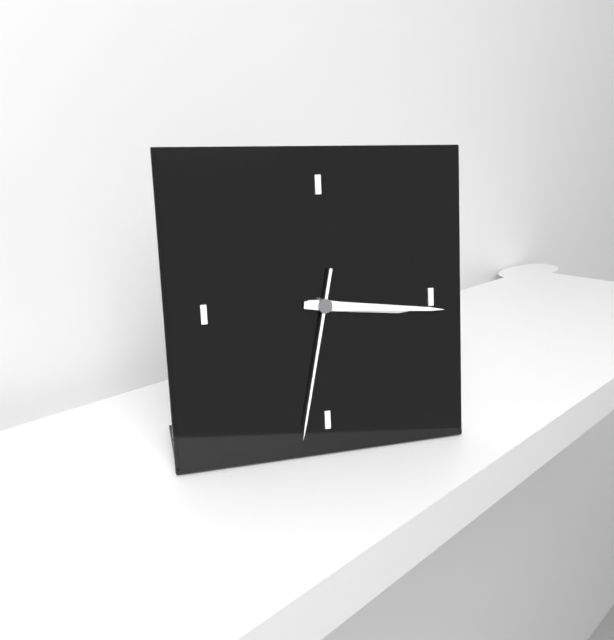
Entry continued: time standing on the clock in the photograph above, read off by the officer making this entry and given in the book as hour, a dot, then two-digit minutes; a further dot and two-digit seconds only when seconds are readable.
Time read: 3.16.32
